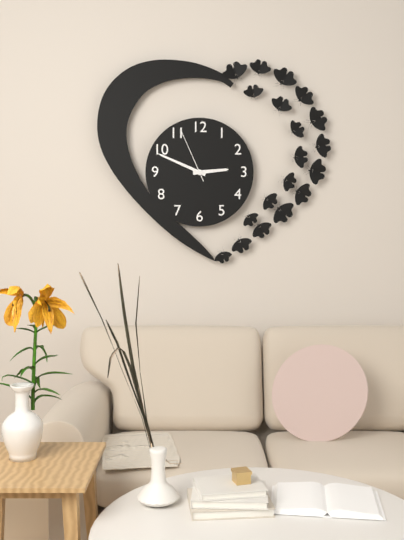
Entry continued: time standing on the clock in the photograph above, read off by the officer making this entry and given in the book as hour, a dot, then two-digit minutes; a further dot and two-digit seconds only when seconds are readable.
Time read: 2.49.56
